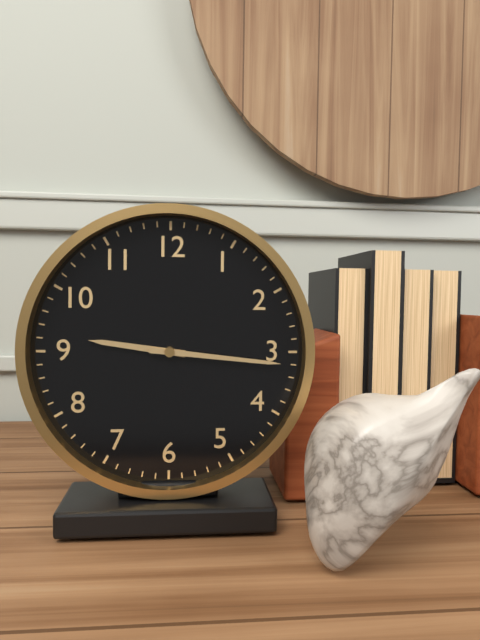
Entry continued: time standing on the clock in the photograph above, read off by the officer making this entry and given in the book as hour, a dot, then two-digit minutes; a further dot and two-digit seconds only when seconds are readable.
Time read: 9.16
